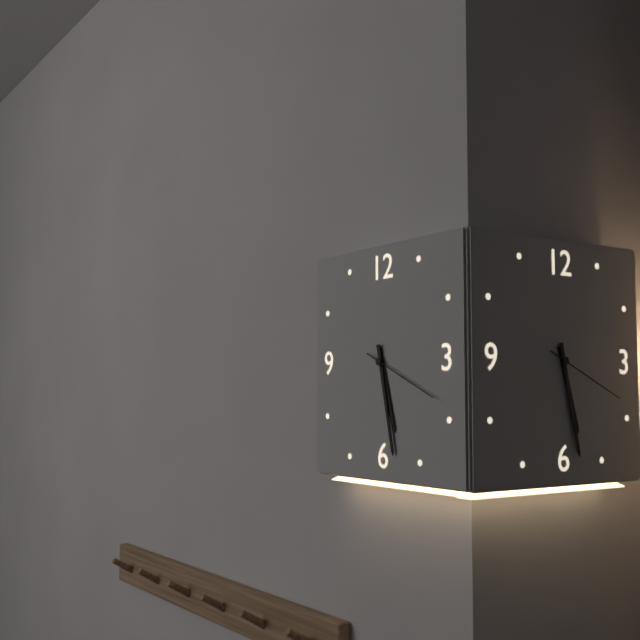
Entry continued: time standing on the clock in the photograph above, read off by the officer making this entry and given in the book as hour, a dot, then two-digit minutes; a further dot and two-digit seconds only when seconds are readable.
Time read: 5.28.19
